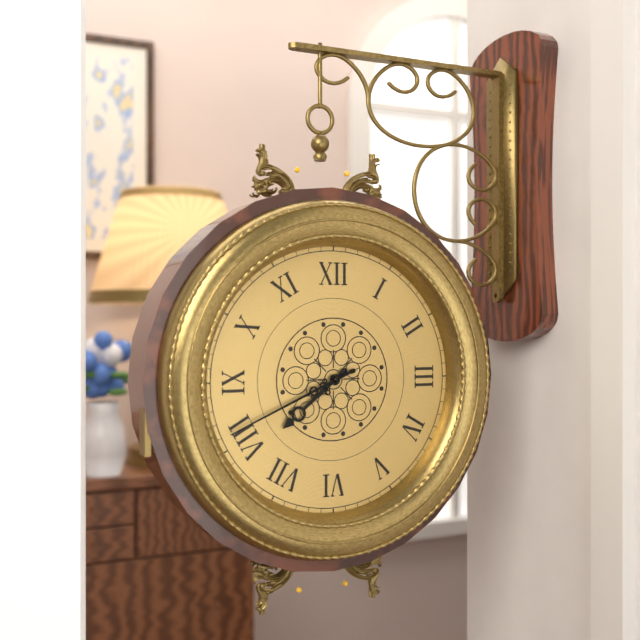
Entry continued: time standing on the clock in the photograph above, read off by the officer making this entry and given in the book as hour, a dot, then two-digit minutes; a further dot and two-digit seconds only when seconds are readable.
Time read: 7.41.41
